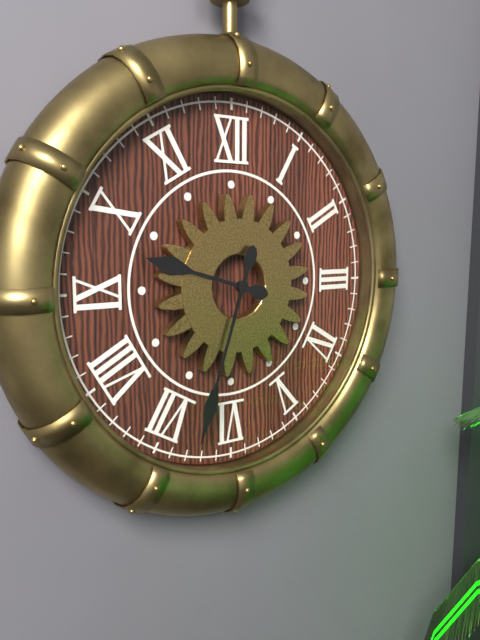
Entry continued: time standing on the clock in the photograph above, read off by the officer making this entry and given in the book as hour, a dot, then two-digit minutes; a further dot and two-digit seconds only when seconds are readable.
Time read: 9.33
